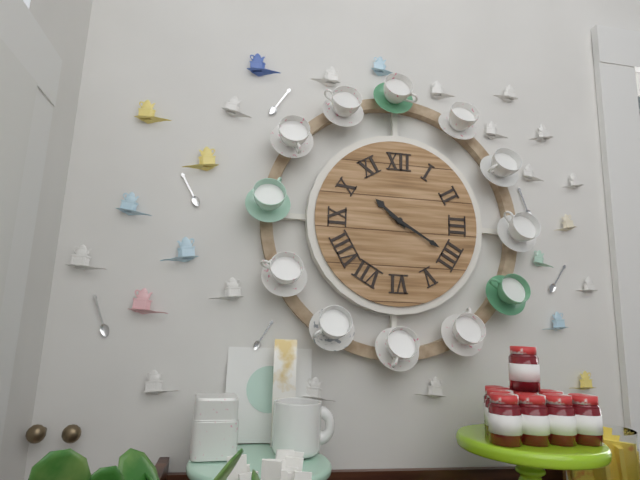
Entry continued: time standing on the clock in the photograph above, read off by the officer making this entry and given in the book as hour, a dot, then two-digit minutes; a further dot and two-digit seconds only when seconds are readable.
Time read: 10.20
